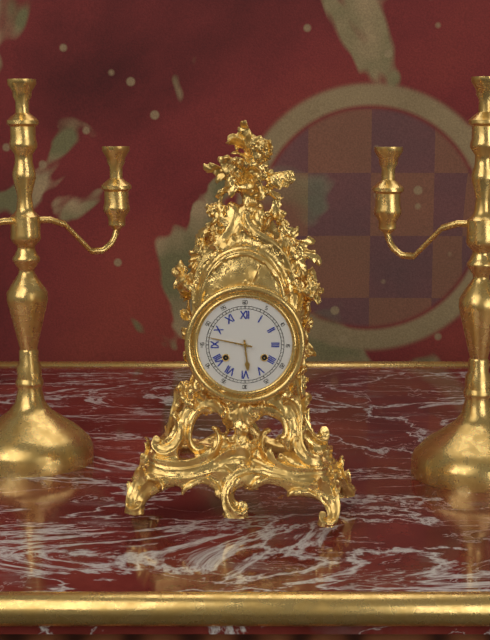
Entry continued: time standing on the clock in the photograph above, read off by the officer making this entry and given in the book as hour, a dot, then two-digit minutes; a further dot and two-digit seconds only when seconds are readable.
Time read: 5.47
